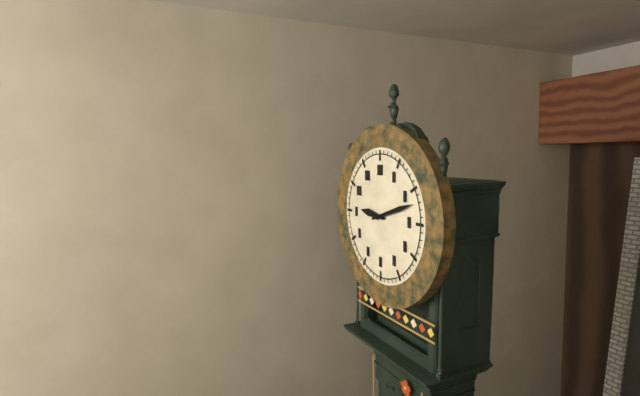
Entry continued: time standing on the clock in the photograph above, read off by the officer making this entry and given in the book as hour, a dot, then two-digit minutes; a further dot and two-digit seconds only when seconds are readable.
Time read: 9.12
